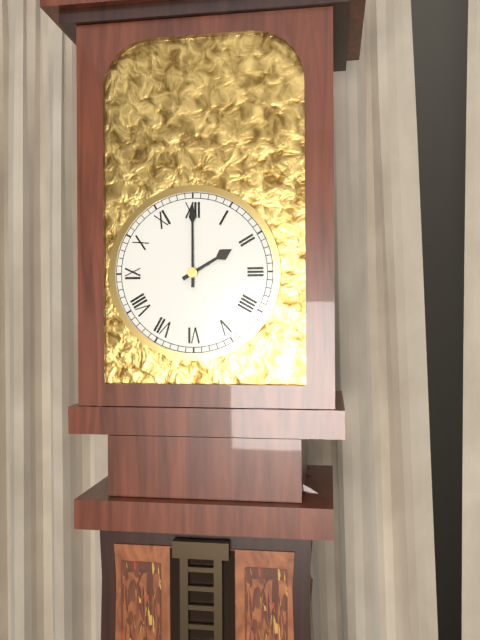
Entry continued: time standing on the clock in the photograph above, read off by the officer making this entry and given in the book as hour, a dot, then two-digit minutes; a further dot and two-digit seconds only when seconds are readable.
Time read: 2.00
